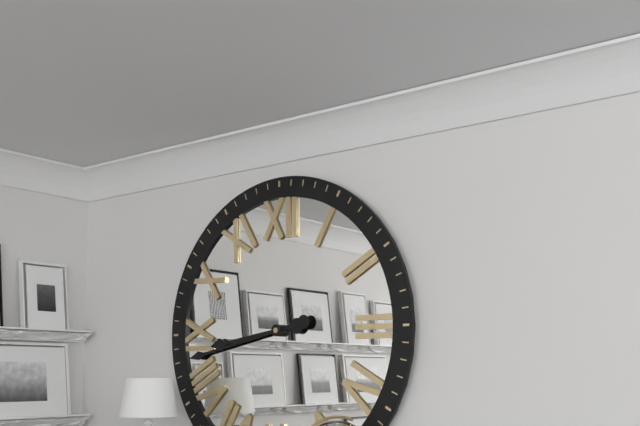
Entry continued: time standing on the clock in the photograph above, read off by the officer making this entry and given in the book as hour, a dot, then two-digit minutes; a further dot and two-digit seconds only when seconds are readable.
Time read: 8.43
